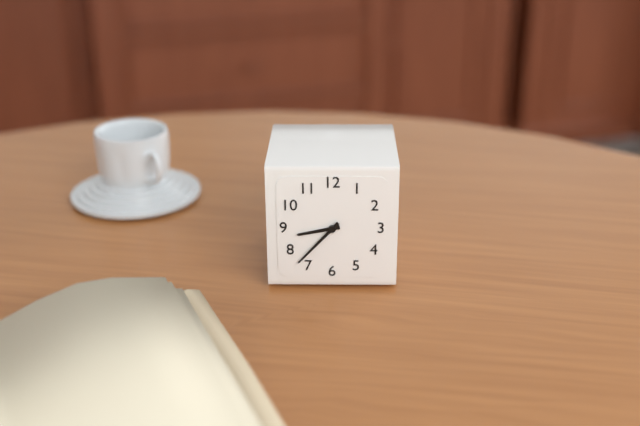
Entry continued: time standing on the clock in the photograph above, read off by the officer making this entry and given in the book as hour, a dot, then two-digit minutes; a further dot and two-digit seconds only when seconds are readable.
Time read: 8.37
